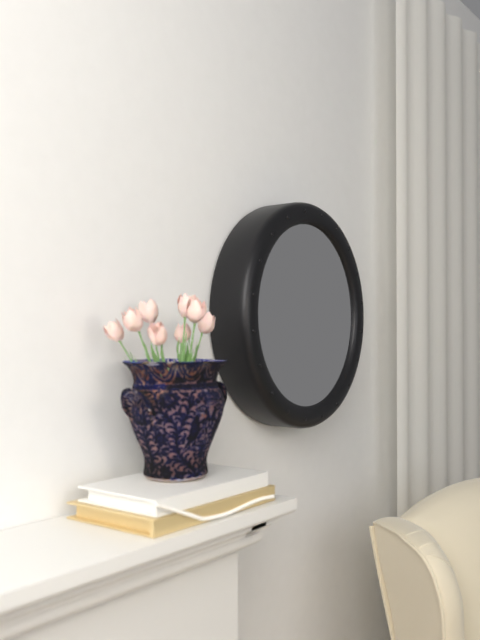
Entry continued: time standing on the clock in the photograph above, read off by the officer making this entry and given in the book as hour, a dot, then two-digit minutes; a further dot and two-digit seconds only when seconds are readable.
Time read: 11.01
